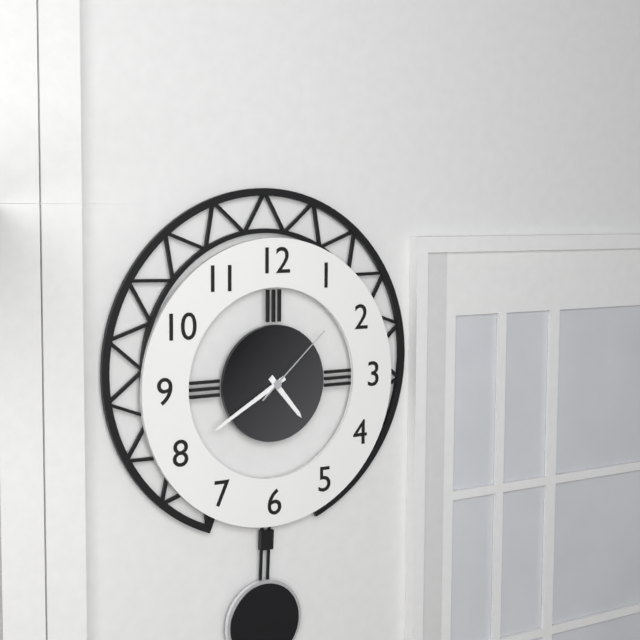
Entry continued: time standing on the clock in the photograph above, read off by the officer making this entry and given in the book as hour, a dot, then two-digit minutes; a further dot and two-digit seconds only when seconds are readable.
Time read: 4.40.08
